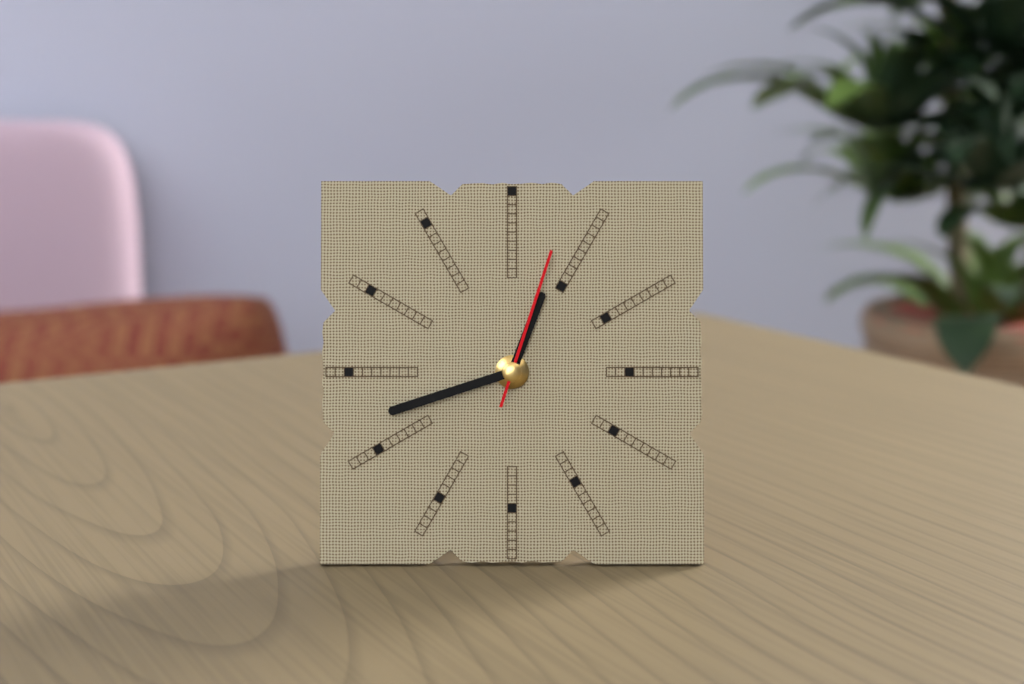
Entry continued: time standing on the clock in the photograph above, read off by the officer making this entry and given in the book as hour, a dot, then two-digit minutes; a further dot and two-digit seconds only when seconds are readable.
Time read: 12.42.03
